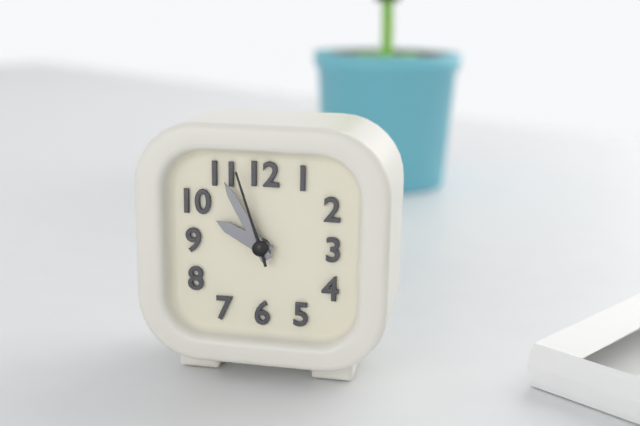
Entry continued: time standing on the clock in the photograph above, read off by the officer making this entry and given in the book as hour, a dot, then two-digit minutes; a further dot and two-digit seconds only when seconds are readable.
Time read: 9.55.57
